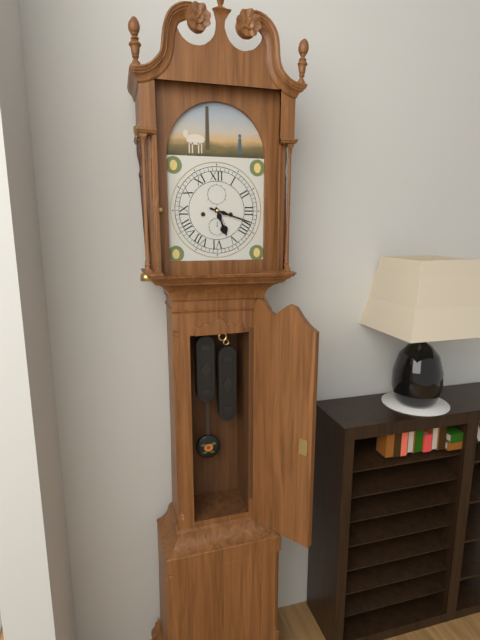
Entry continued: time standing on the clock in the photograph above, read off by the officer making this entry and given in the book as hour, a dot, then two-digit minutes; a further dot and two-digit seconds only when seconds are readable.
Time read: 5.18
